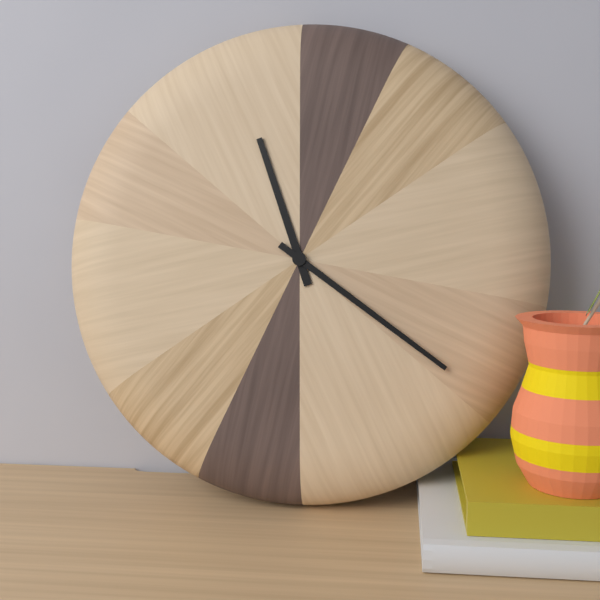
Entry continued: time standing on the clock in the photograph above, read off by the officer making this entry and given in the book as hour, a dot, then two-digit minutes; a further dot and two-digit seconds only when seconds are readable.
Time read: 11.21
